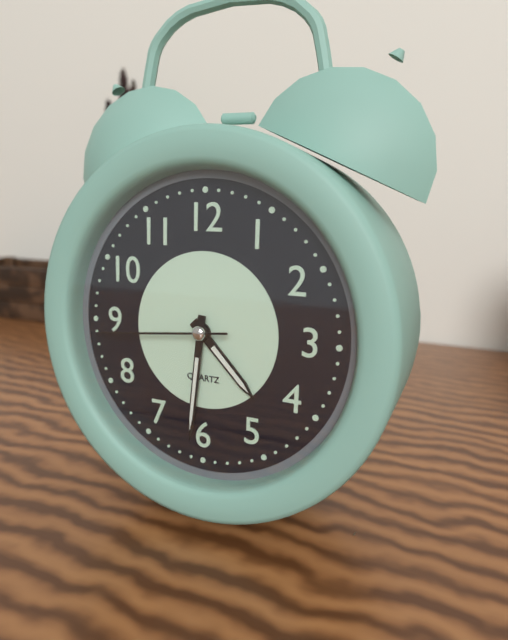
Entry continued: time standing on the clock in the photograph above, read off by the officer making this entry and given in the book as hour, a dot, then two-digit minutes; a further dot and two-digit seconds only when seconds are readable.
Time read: 4.31.44
